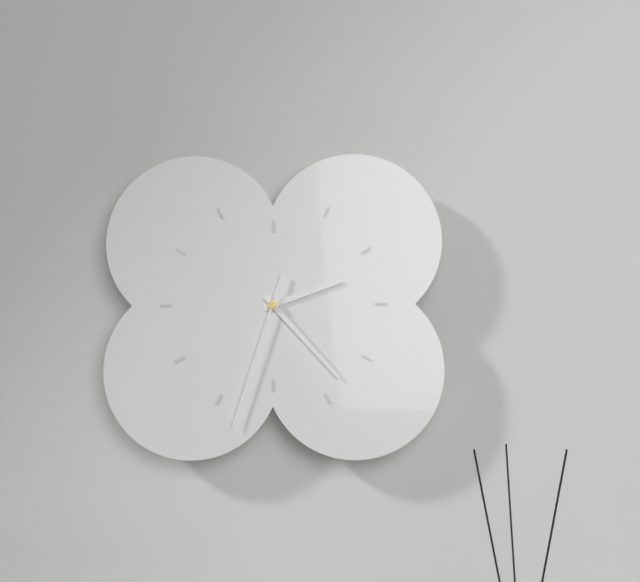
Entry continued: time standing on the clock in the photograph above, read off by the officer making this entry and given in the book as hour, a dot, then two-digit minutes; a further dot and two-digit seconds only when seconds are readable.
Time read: 2.23.33
